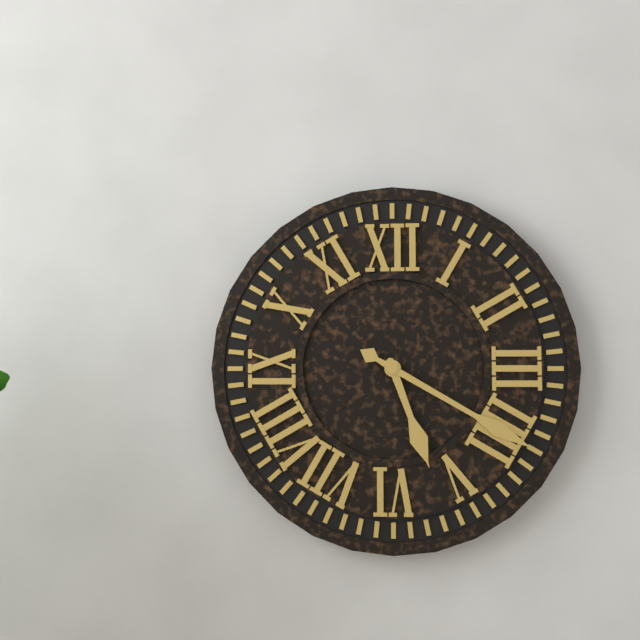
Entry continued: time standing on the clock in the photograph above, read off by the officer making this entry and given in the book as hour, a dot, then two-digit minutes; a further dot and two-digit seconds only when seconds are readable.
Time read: 5.20
